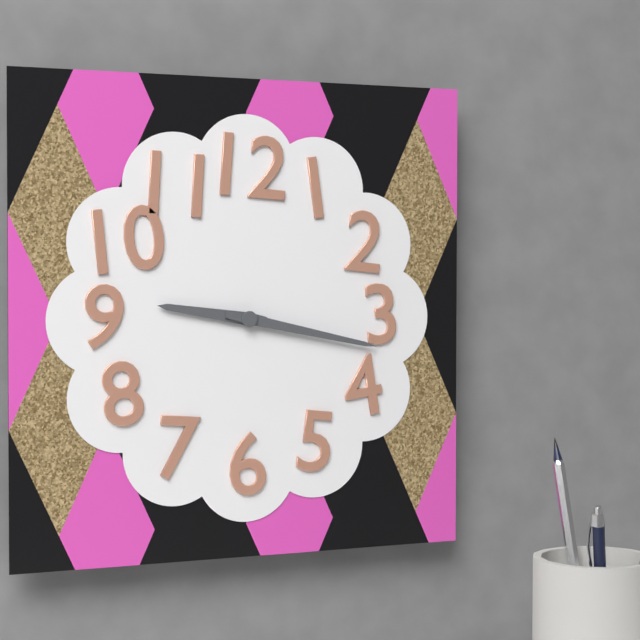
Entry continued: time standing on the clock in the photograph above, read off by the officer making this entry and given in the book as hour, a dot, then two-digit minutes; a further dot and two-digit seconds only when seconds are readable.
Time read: 9.17
